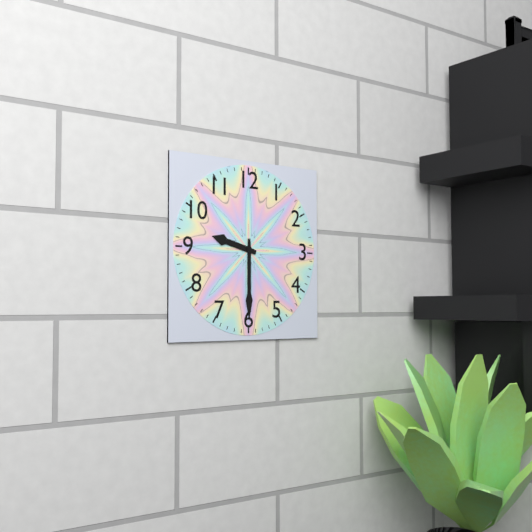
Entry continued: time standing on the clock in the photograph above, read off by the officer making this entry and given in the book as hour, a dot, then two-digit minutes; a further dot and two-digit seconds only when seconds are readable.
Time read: 9.30
